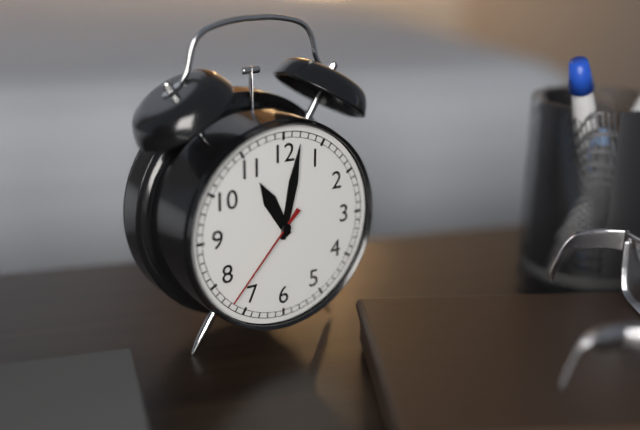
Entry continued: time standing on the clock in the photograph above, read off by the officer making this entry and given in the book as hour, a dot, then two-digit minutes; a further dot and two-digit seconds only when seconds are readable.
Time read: 11.02.37
